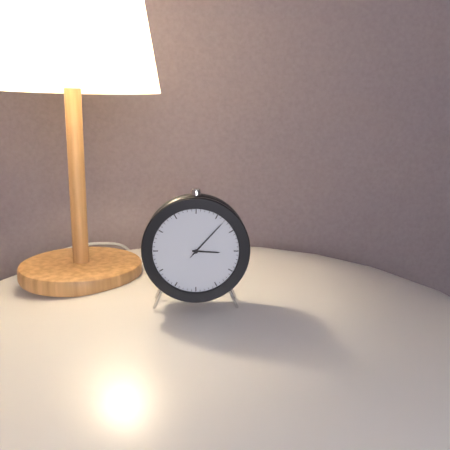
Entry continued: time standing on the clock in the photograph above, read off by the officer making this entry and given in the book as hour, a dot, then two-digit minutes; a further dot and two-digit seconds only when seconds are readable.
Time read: 3.07.07
